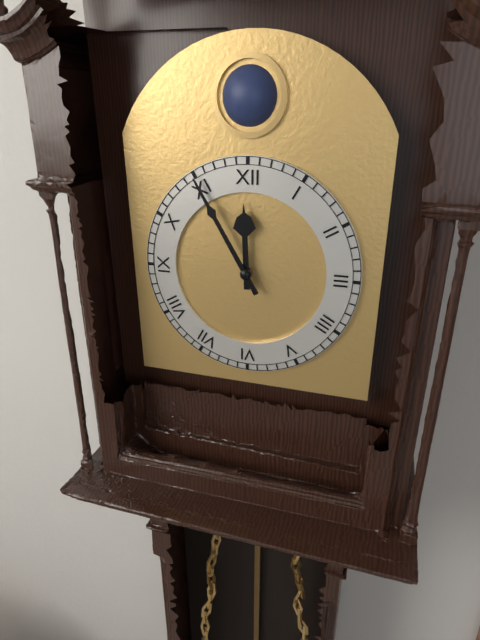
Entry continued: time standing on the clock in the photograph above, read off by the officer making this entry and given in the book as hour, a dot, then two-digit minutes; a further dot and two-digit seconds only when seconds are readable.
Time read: 11.55
